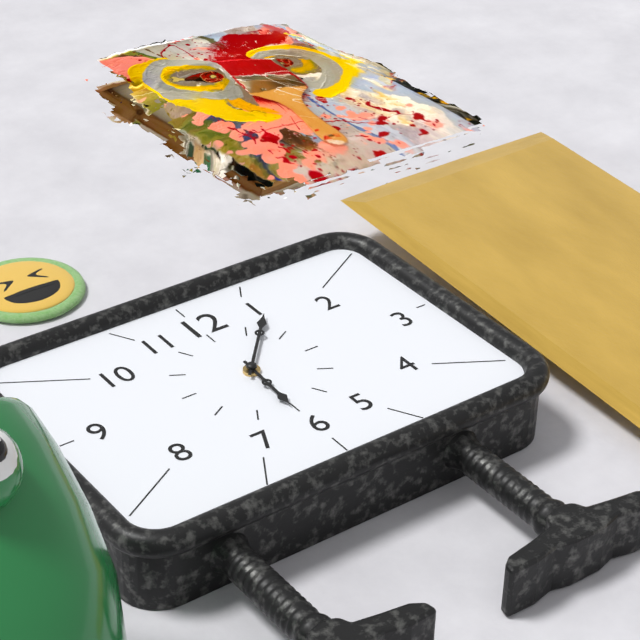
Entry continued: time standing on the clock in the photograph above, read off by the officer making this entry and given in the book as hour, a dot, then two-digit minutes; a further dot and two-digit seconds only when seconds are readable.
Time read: 6.07
